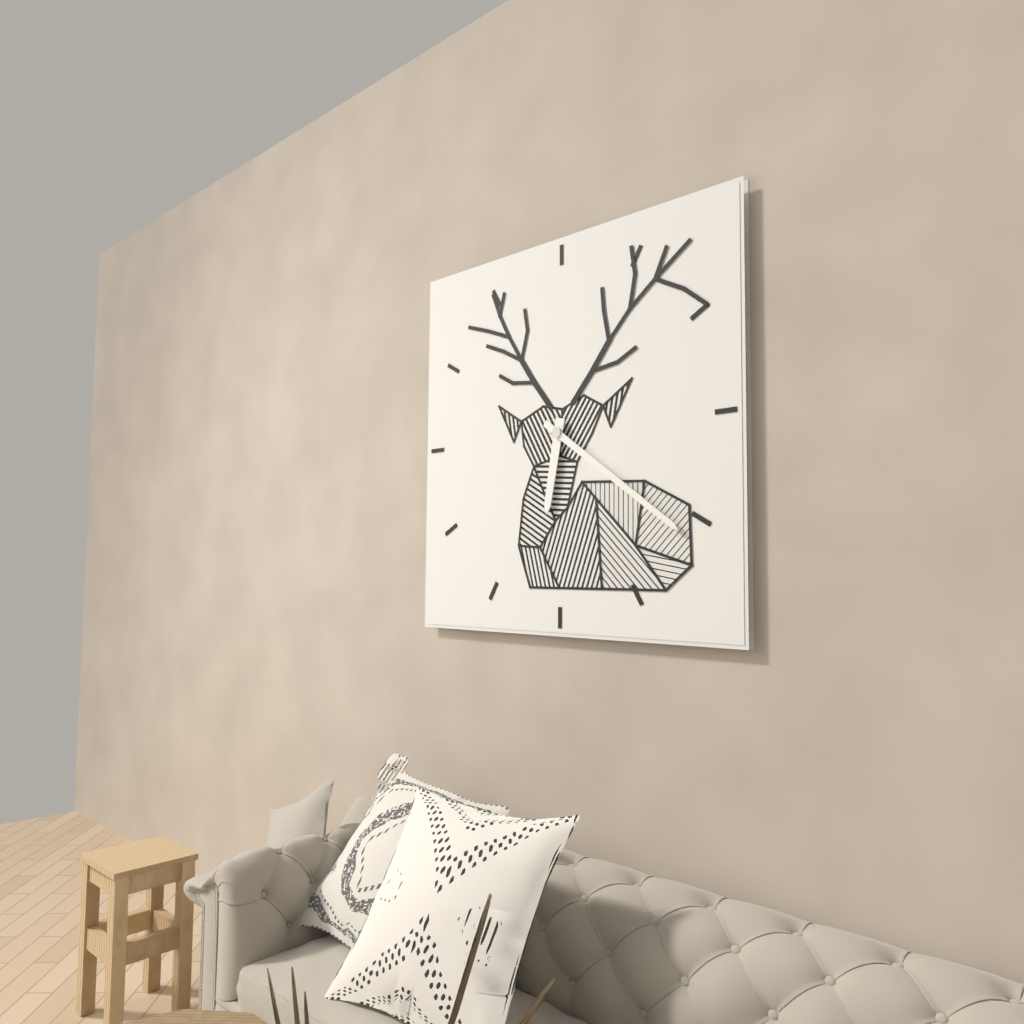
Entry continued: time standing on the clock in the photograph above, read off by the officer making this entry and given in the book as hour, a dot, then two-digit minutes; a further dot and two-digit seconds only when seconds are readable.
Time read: 6.21
